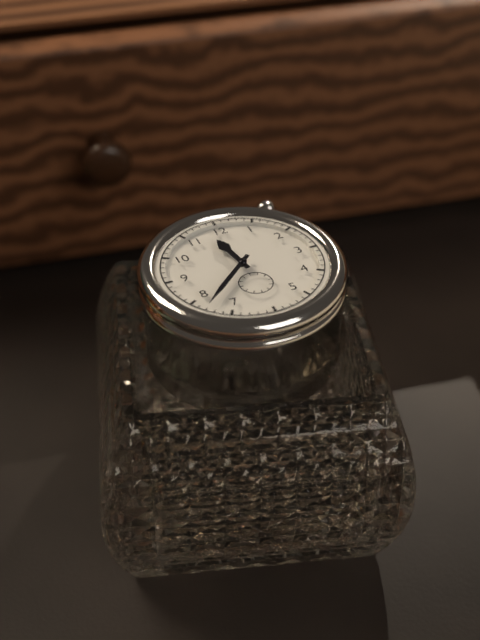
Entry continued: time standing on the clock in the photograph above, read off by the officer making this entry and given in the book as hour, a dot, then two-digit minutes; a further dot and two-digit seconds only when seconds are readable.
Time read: 11.38
